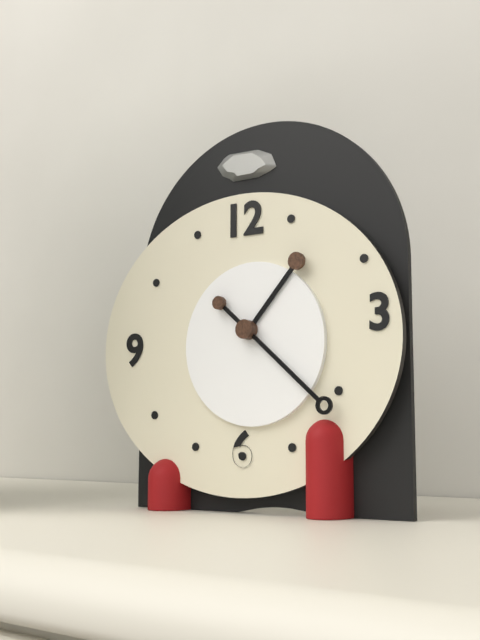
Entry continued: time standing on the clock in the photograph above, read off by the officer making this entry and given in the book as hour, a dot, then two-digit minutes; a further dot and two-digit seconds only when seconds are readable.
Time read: 1.22
